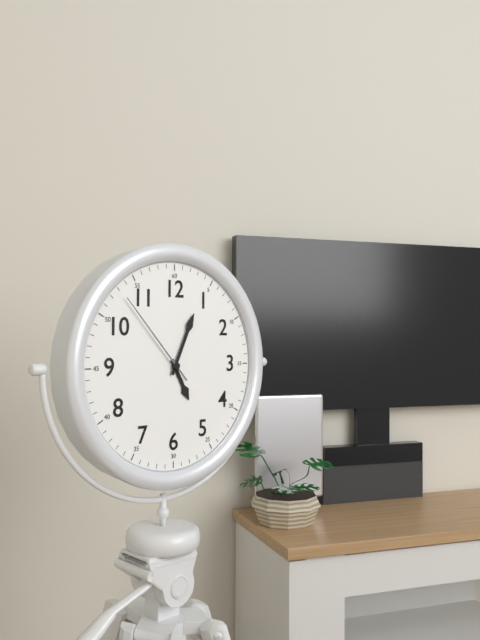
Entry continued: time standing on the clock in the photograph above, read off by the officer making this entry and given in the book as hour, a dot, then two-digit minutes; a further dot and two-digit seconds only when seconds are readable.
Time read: 5.04.53
